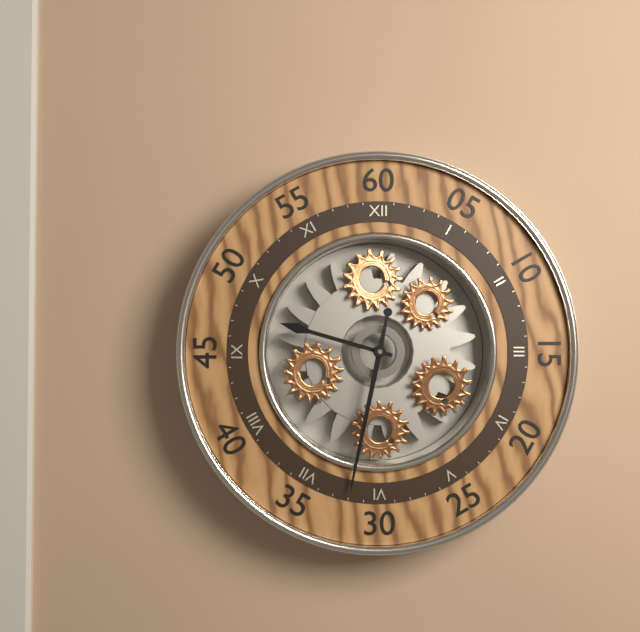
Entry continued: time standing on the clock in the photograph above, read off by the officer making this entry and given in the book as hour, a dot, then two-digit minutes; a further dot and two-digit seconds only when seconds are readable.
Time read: 9.32
